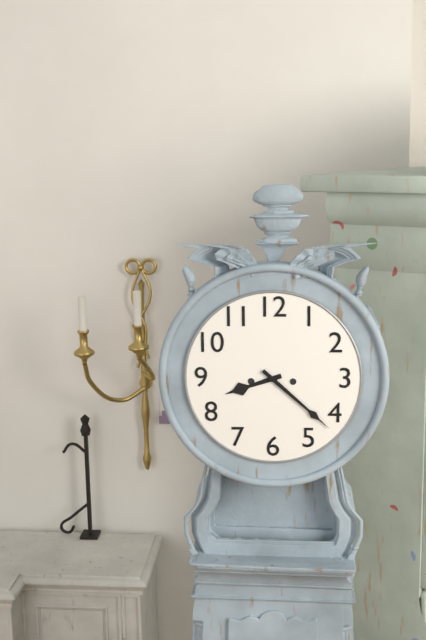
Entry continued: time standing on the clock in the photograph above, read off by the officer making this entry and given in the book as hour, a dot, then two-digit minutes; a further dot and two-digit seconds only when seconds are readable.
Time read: 8.22
